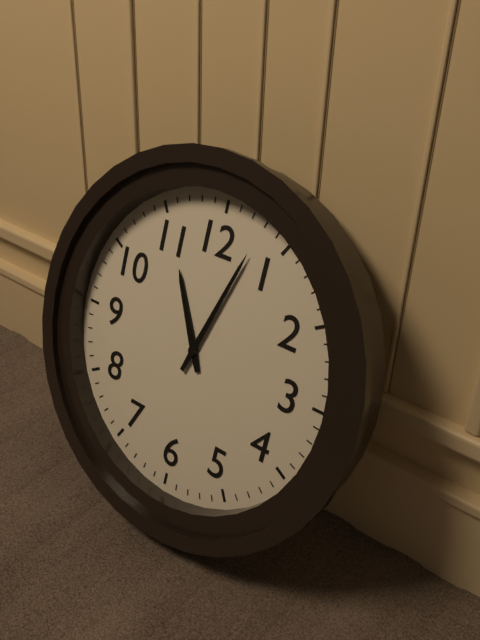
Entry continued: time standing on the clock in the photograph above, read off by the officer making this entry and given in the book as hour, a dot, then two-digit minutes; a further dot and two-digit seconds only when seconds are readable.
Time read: 11.03
